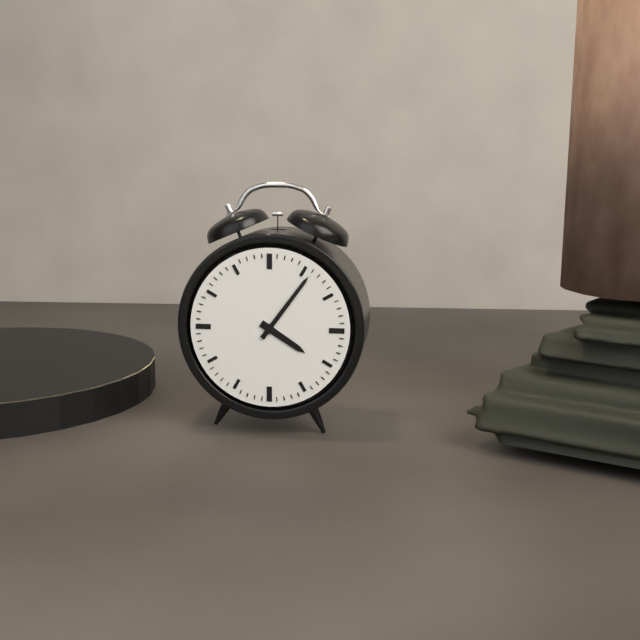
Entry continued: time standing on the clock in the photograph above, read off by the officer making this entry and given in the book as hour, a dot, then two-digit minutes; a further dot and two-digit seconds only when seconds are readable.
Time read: 4.06
